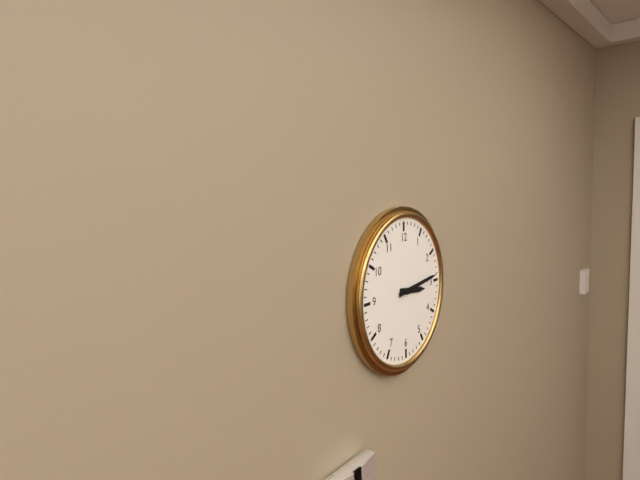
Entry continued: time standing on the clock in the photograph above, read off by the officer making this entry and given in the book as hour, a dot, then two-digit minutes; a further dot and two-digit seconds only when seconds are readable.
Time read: 3.14
